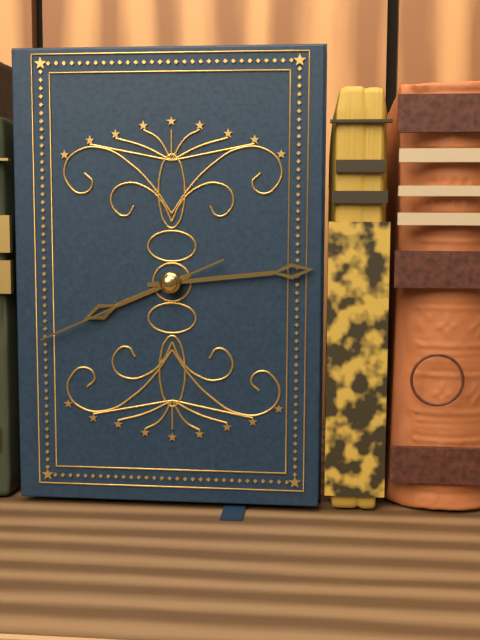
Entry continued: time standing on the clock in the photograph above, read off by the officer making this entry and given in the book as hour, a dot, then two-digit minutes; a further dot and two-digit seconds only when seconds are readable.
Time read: 8.14.41
